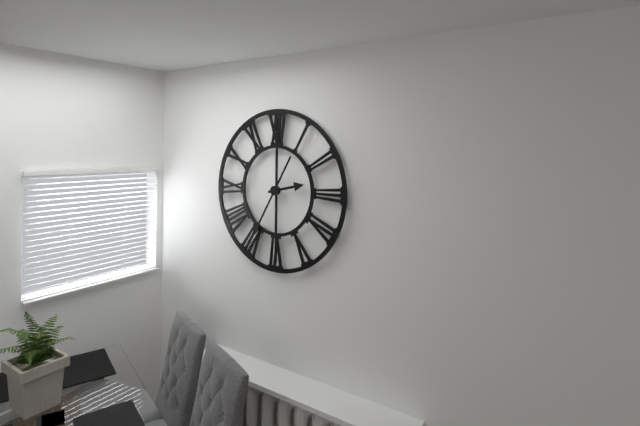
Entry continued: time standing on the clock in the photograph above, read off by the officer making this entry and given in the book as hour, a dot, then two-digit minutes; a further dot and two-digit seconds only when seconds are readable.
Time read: 2.35
